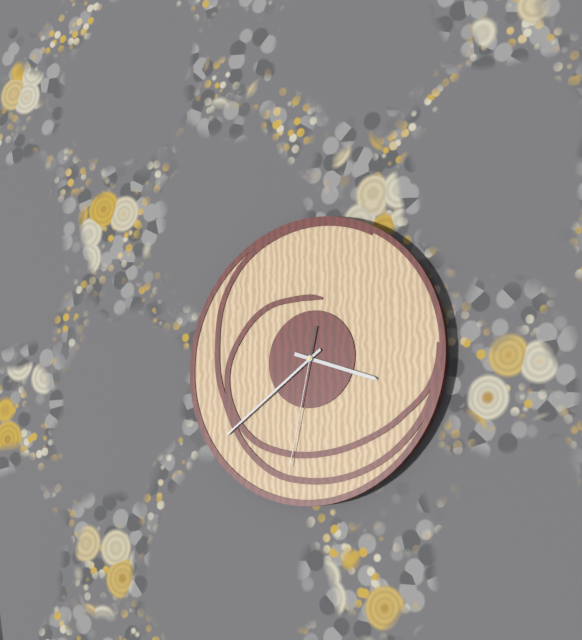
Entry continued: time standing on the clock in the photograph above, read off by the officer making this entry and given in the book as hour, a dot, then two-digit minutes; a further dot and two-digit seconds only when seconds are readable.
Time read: 3.39.32
